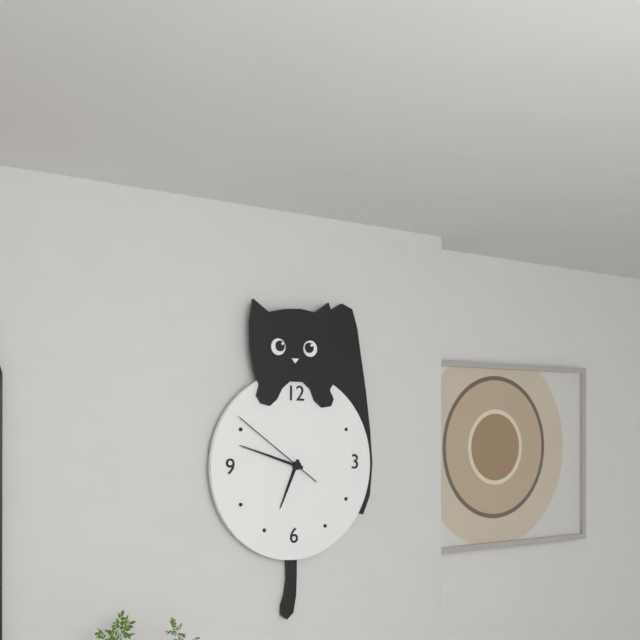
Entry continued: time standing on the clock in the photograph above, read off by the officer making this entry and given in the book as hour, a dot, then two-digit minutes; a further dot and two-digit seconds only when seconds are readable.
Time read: 6.48.51
